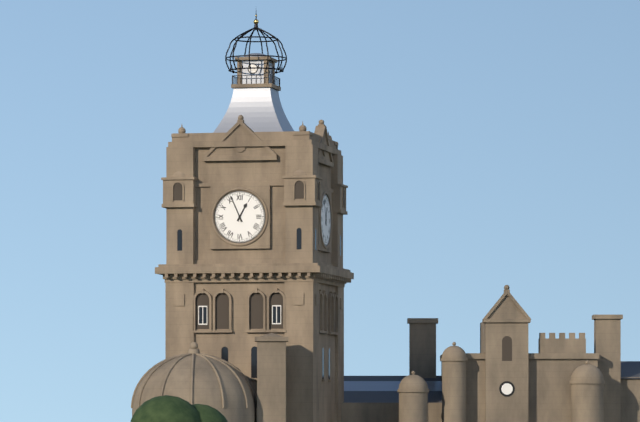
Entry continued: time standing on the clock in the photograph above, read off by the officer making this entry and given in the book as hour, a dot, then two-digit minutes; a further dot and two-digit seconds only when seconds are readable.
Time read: 12.56
